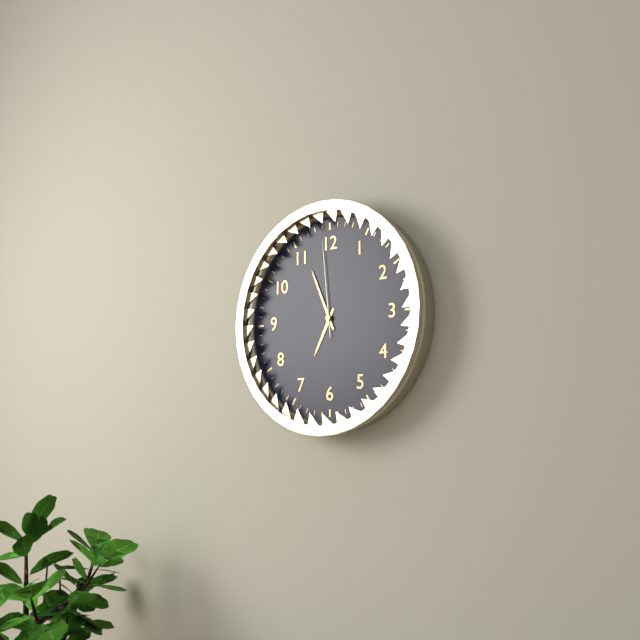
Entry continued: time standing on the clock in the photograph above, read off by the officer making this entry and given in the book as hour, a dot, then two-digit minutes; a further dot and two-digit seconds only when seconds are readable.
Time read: 6.56.59
